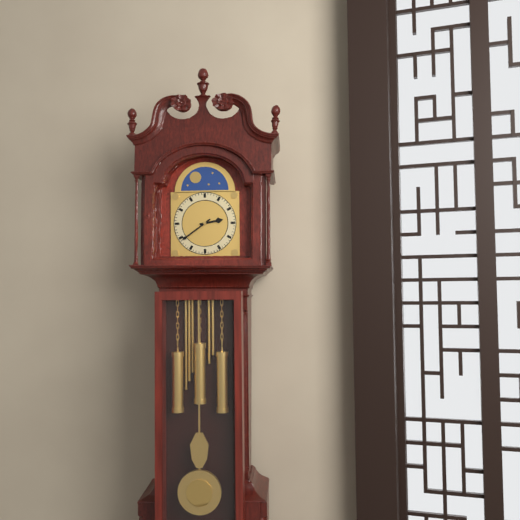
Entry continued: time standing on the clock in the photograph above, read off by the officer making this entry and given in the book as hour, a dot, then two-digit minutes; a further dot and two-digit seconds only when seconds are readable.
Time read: 2.39
